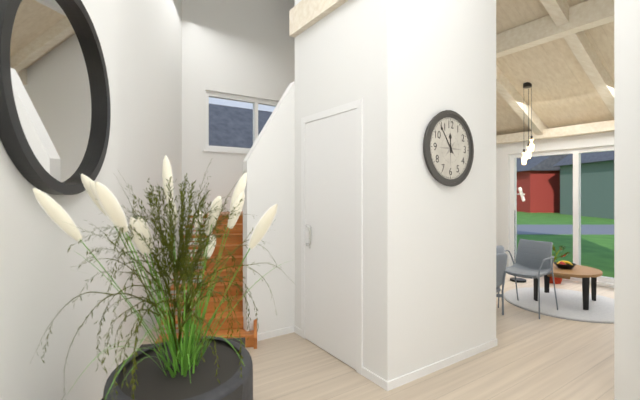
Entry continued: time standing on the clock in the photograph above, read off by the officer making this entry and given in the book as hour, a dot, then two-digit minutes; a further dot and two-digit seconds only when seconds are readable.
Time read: 11.54
